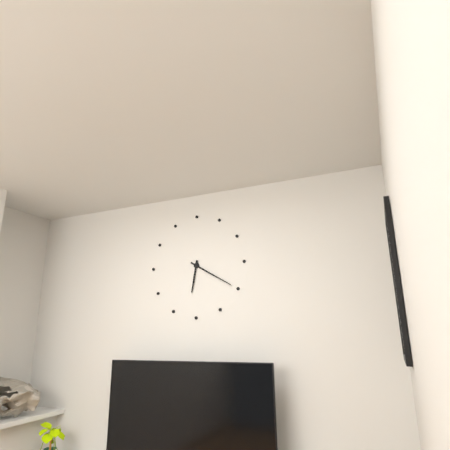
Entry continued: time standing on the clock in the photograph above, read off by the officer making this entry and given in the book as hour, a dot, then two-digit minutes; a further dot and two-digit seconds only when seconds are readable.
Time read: 6.20
